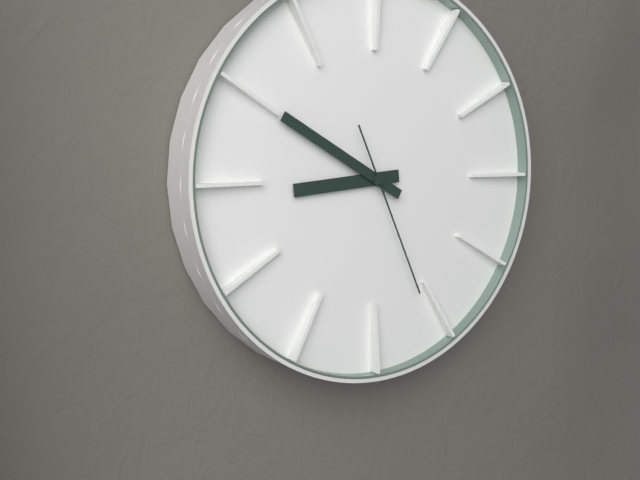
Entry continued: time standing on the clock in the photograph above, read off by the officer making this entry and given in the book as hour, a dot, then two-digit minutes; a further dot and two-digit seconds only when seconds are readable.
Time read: 8.50.26
